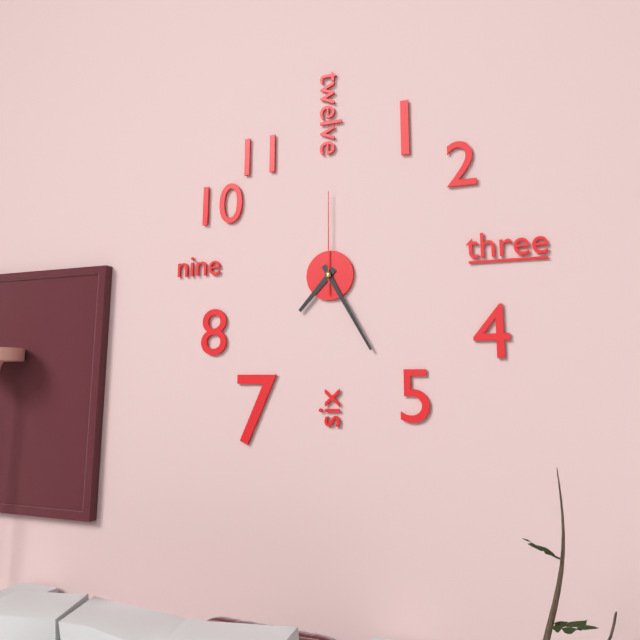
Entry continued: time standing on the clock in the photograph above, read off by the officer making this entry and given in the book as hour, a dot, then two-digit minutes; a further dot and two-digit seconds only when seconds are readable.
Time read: 7.25.00
